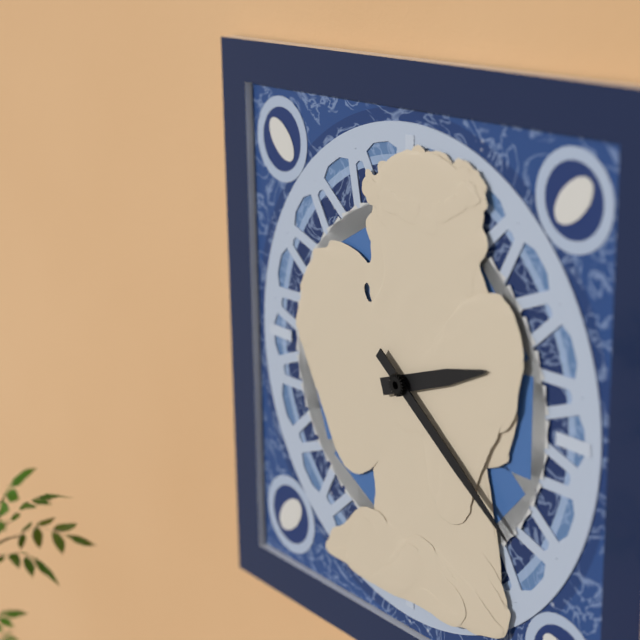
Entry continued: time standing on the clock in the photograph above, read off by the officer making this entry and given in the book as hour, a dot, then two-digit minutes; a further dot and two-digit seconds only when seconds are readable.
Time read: 2.21
